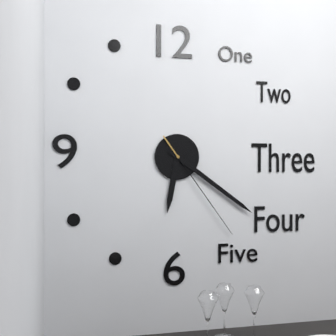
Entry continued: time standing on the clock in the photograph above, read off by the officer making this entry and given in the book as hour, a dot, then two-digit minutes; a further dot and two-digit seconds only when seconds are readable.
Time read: 6.21.24
